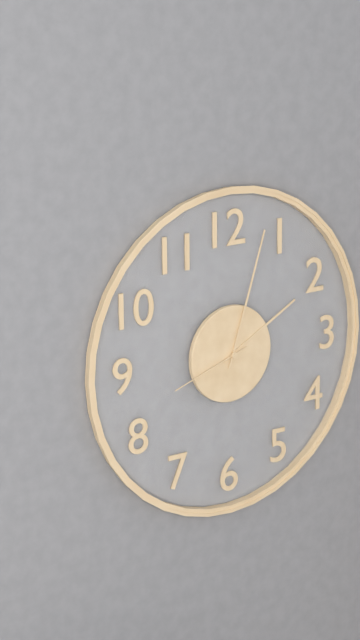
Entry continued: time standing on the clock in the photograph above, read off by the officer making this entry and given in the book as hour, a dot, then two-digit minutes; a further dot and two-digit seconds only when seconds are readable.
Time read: 2.03.42
